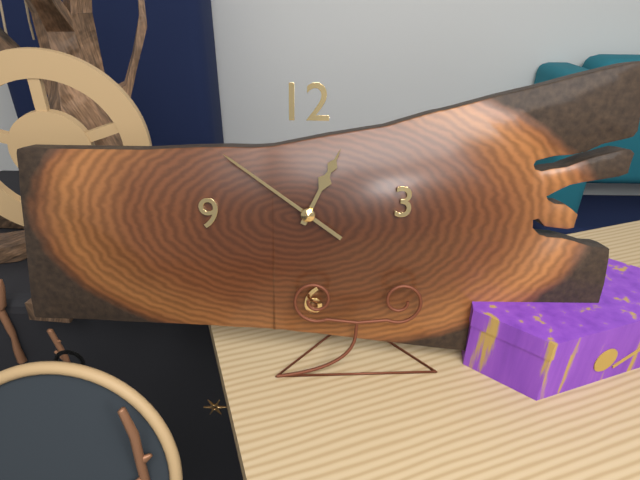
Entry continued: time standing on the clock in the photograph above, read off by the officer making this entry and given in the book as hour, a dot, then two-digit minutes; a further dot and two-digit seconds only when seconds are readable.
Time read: 12.51
